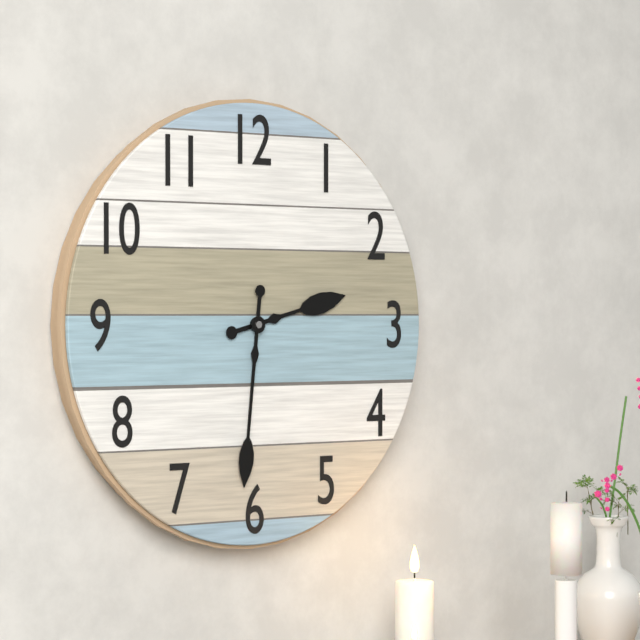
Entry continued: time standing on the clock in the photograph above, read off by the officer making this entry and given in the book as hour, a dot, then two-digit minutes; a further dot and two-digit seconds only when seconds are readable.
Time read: 2.31
